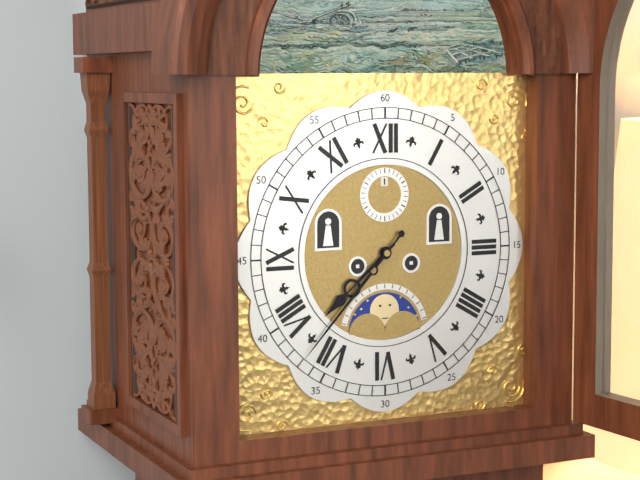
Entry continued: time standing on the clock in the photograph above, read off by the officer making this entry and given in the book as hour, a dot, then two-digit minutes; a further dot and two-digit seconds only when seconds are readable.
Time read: 7.37
